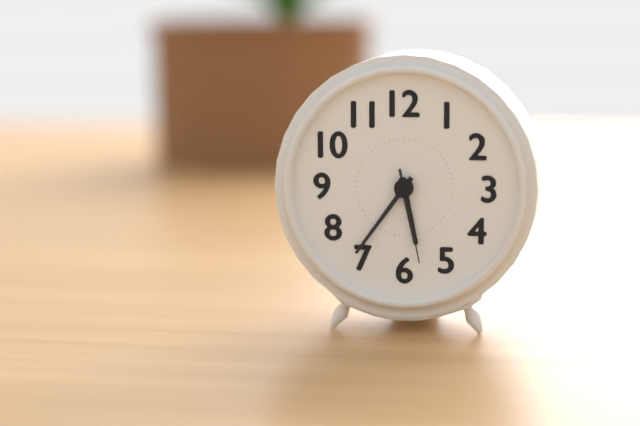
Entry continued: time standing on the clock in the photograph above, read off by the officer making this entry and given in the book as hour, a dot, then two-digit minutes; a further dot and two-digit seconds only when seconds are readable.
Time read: 5.36.28
